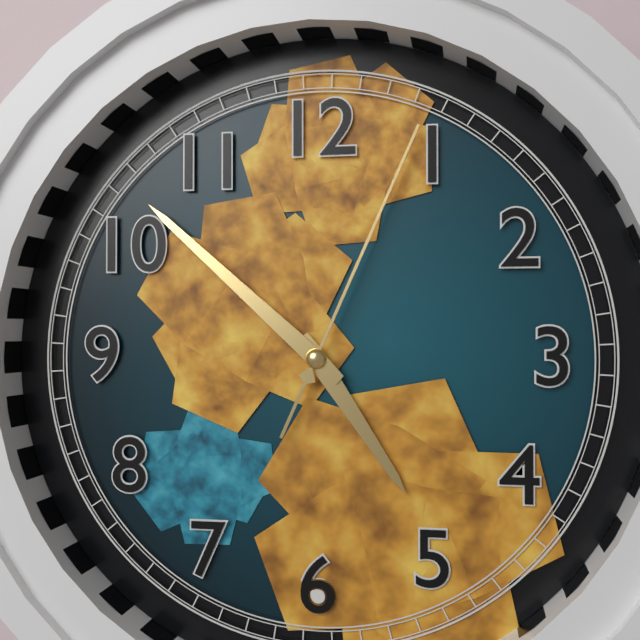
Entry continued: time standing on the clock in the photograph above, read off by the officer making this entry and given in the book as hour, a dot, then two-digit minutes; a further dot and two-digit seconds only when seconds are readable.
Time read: 4.52.04
